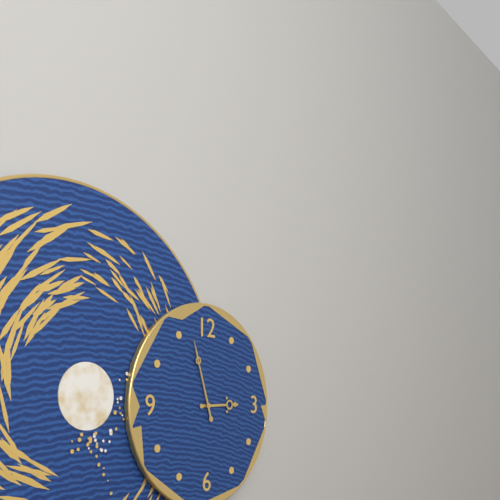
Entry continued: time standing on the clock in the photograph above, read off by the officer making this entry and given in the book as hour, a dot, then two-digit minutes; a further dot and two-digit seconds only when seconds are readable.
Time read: 2.57
